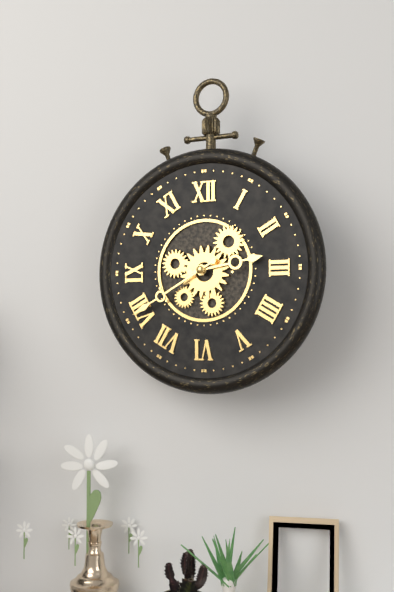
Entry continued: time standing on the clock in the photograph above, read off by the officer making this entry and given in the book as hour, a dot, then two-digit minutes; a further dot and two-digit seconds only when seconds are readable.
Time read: 2.40
